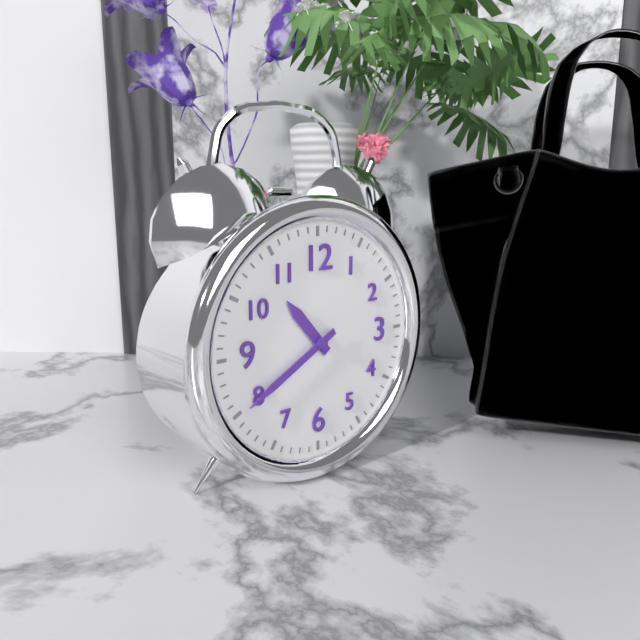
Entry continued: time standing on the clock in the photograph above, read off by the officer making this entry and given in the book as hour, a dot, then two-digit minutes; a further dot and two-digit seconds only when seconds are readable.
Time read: 10.40
